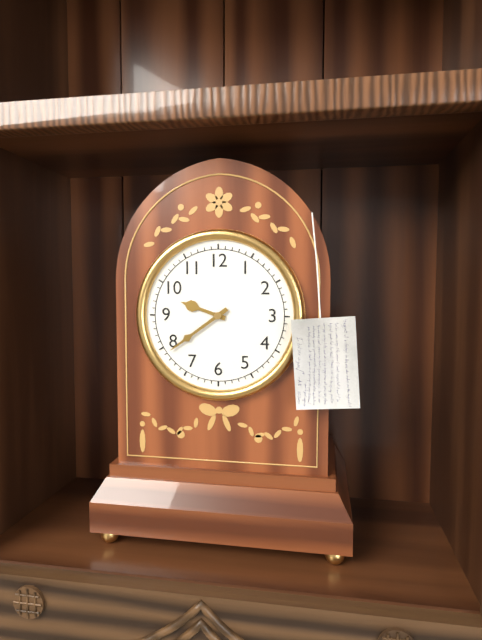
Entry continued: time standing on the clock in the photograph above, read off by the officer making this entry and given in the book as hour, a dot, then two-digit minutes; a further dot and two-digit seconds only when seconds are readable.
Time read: 9.39
